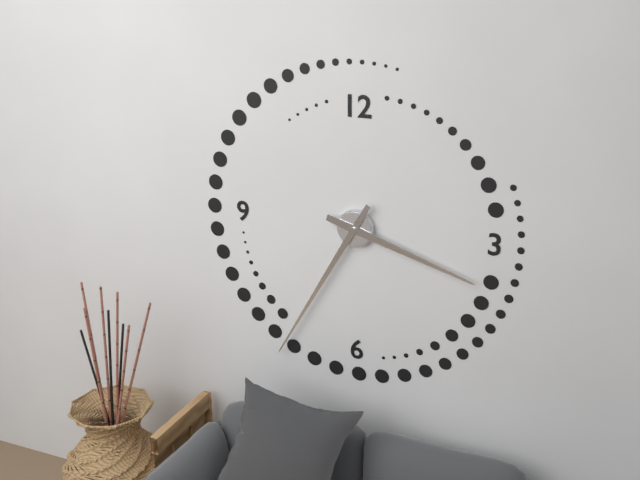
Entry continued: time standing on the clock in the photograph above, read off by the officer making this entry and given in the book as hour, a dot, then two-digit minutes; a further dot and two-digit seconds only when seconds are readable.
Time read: 3.35
